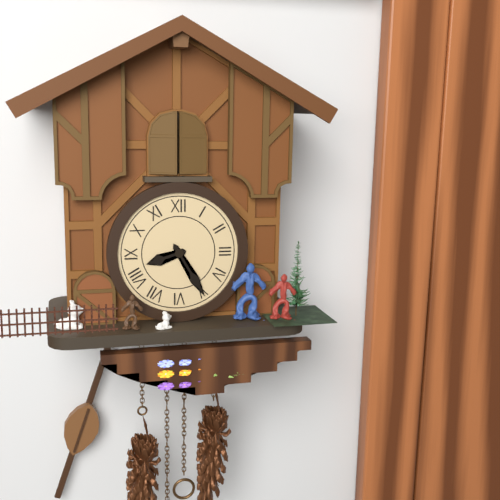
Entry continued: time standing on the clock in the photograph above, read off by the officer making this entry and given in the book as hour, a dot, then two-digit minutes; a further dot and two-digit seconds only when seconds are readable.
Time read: 8.25
